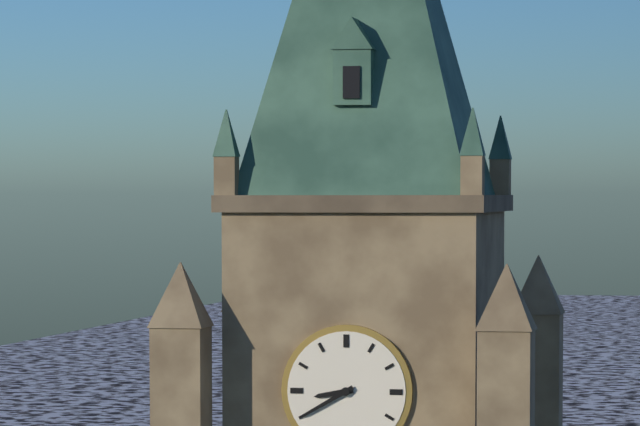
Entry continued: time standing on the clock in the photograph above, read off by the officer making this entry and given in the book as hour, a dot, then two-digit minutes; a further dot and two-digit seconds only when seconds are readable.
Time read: 8.40
